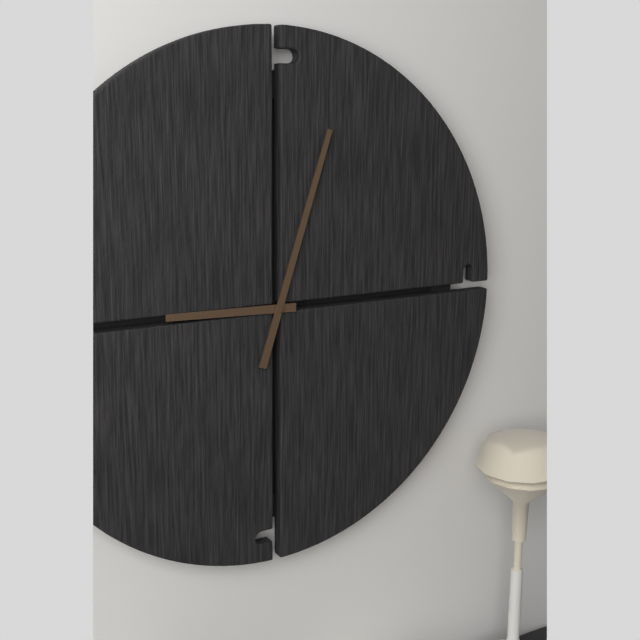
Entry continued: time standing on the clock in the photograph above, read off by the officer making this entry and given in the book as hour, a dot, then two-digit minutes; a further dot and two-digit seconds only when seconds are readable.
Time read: 9.03
